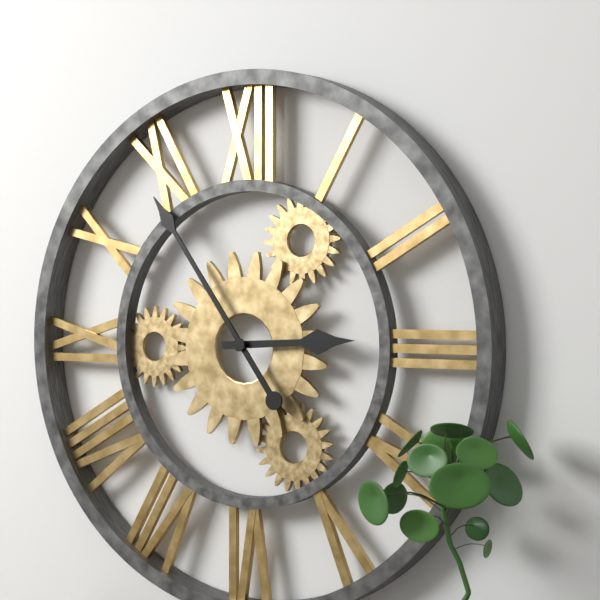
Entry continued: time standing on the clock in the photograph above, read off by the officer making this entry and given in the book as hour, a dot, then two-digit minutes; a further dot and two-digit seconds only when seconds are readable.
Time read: 2.54
